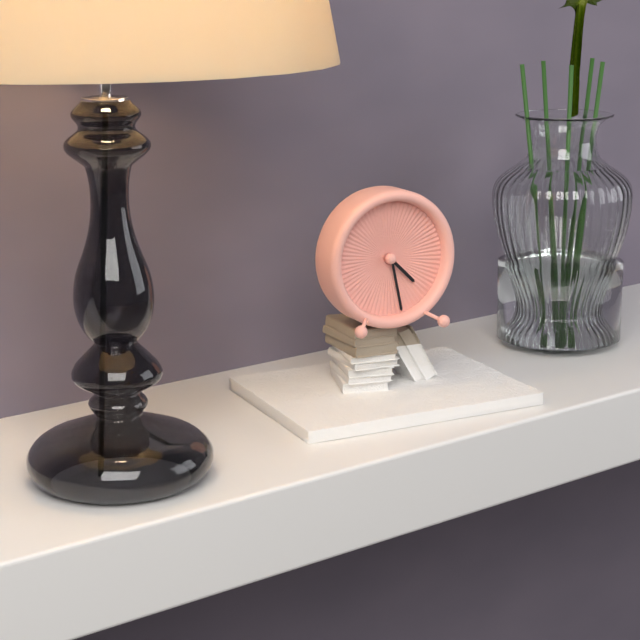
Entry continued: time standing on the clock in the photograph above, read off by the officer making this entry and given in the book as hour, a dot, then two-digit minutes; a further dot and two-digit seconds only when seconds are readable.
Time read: 4.28
